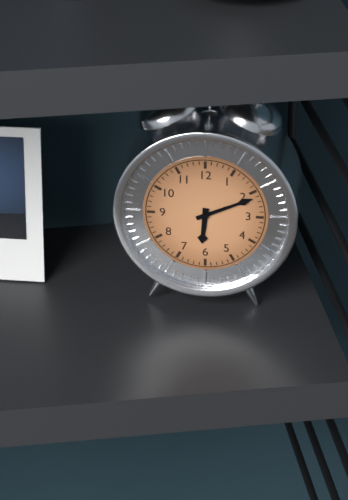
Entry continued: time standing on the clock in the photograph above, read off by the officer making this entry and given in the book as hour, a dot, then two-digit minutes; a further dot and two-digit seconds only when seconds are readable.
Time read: 6.11
